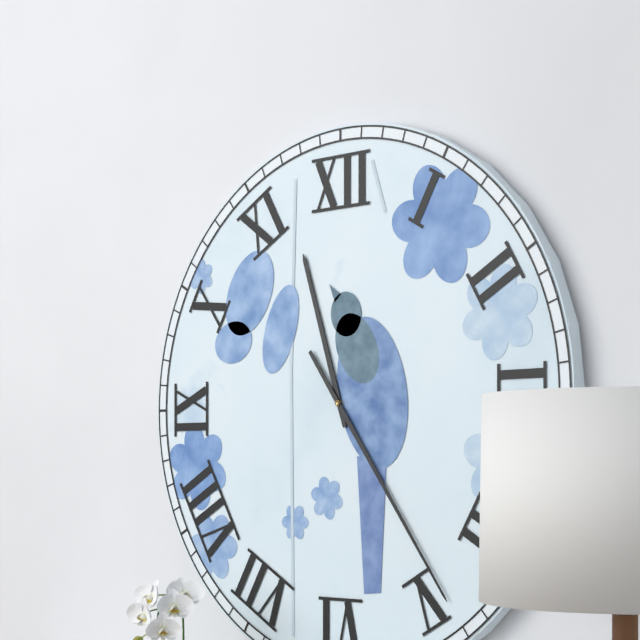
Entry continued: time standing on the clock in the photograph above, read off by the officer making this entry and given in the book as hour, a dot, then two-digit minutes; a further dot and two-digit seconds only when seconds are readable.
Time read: 11.24
